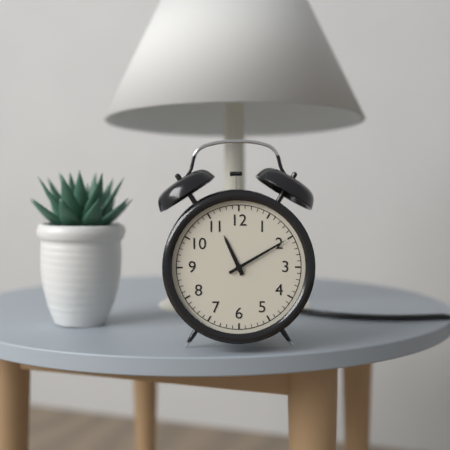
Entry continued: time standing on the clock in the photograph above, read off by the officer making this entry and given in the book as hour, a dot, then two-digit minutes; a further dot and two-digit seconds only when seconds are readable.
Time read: 11.10
